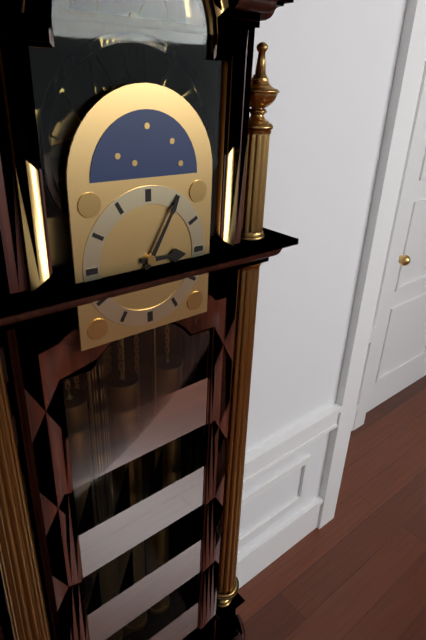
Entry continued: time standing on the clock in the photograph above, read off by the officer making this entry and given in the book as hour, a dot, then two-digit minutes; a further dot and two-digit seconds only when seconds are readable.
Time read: 3.05
